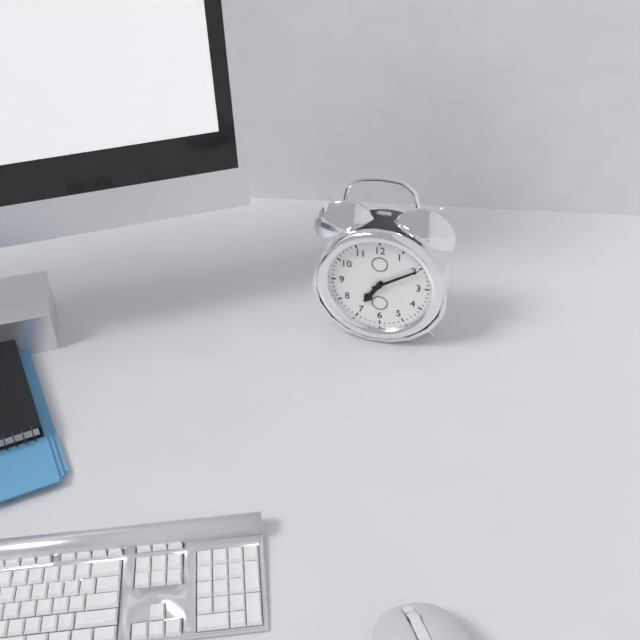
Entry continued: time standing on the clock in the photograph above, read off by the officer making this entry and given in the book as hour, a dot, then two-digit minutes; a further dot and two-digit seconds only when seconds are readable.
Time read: 7.10
